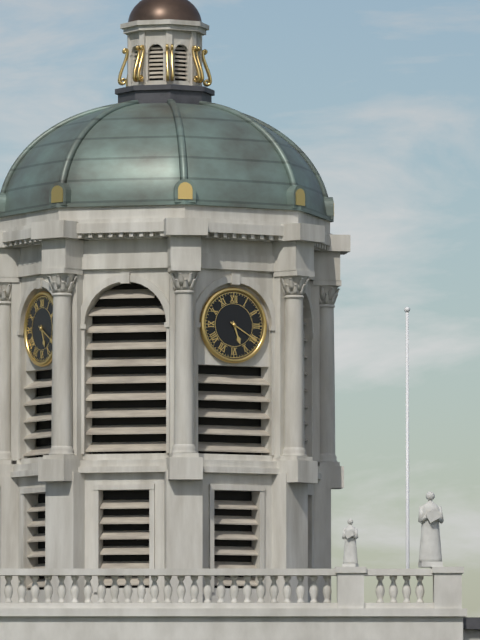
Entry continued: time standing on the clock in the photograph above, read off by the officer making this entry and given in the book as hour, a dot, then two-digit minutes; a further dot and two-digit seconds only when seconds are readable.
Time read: 5.20
